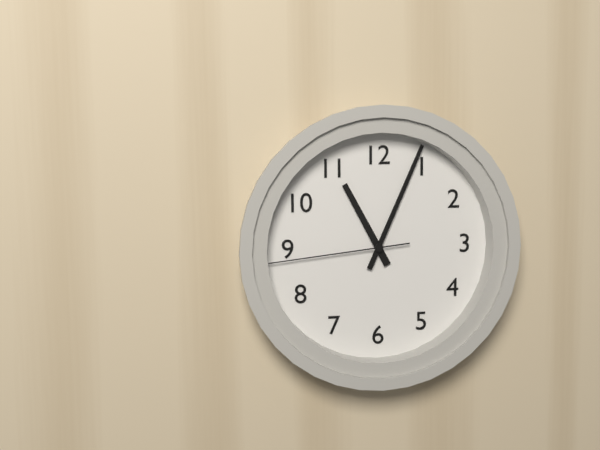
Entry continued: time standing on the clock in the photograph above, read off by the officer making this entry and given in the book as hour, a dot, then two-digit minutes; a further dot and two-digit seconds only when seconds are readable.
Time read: 11.04.44
